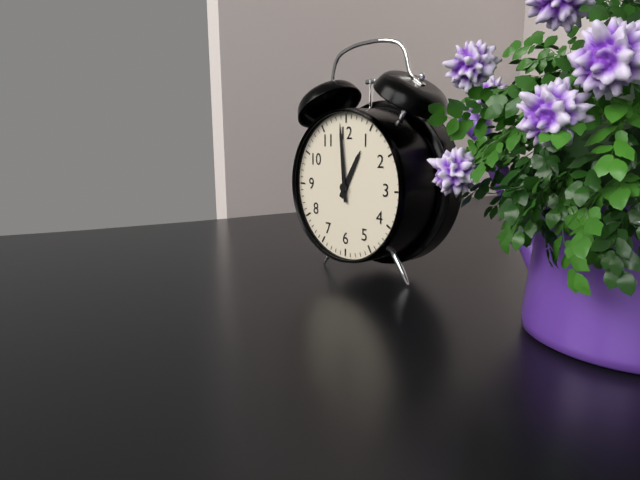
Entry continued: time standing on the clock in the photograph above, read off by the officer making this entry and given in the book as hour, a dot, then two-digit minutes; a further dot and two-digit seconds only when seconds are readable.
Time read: 12.59
